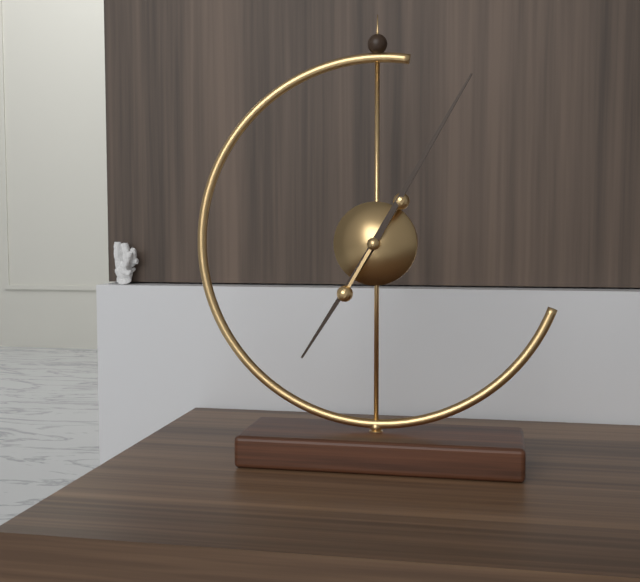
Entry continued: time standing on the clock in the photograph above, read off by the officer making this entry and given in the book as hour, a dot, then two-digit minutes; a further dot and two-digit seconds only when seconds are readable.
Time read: 7.05
